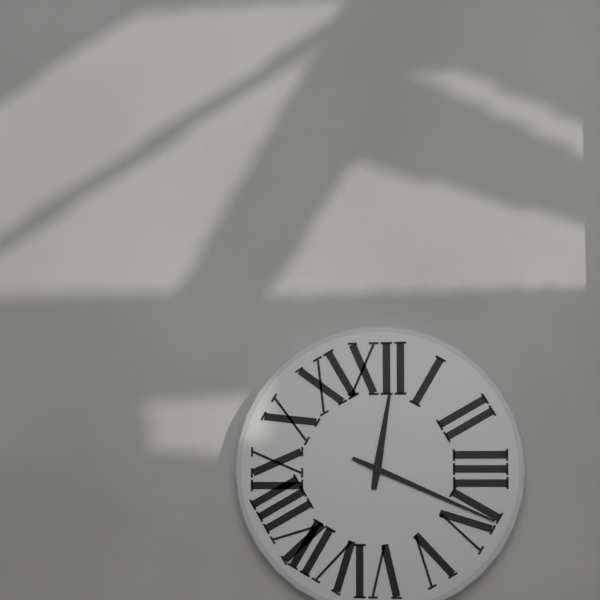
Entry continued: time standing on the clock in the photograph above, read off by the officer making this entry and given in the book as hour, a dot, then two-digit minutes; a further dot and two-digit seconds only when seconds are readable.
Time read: 12.19
